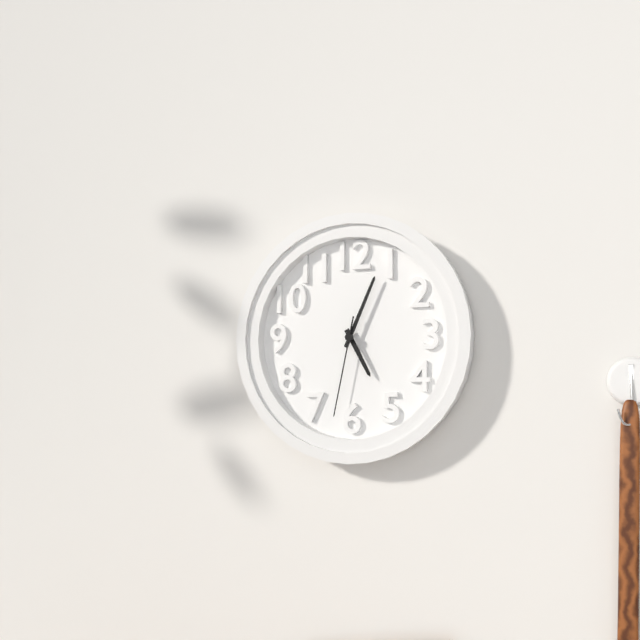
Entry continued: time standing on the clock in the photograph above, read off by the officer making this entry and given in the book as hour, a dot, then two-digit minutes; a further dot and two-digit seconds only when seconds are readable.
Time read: 5.04.32
